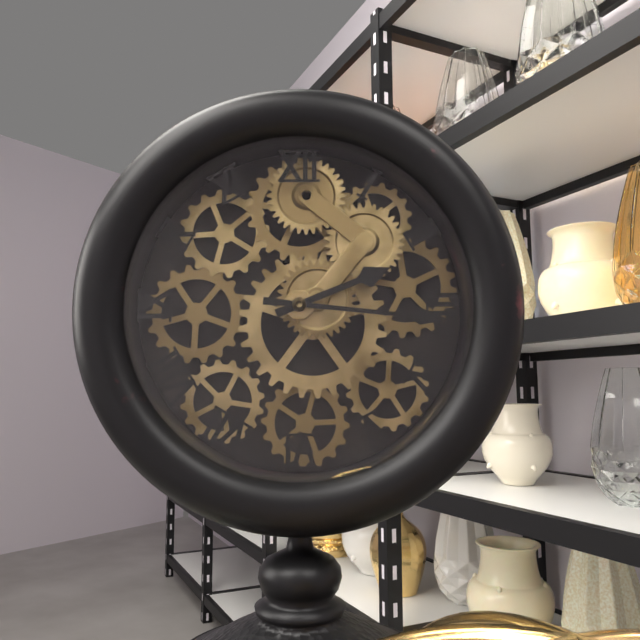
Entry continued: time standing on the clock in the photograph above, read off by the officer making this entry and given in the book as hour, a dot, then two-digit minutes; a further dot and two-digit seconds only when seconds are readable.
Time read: 2.16
